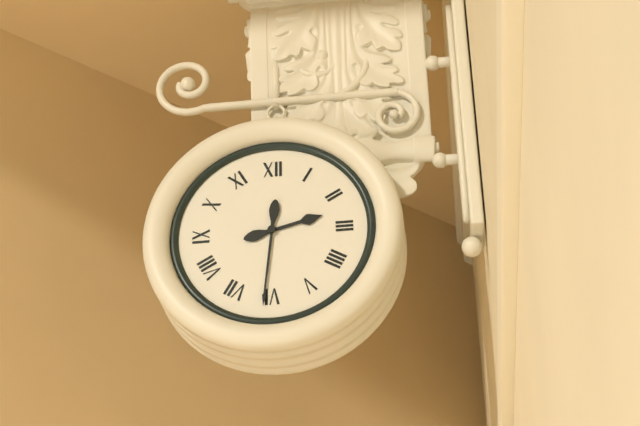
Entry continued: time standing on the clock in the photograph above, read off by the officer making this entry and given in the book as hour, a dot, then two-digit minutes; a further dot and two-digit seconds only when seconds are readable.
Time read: 2.31
